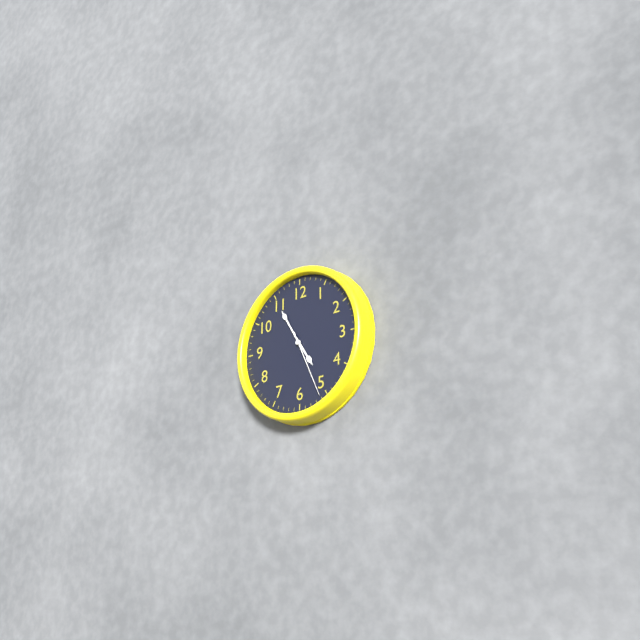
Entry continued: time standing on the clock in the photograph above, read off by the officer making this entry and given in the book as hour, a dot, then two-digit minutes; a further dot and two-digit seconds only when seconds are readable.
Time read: 4.55.26
